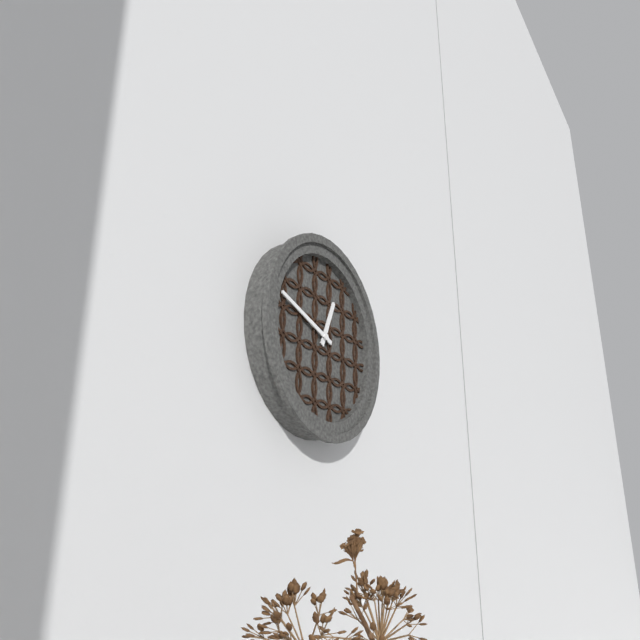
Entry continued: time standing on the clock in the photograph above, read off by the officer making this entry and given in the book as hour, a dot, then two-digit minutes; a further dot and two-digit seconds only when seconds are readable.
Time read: 12.48
